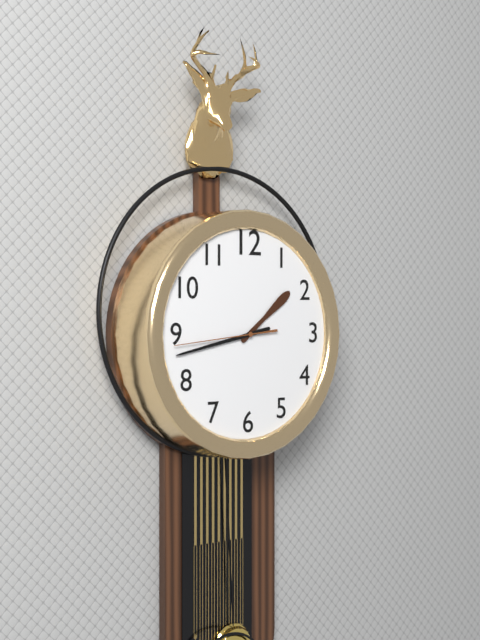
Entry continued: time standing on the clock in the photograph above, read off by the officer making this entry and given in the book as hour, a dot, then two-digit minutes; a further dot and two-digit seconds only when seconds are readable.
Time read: 1.43.44
